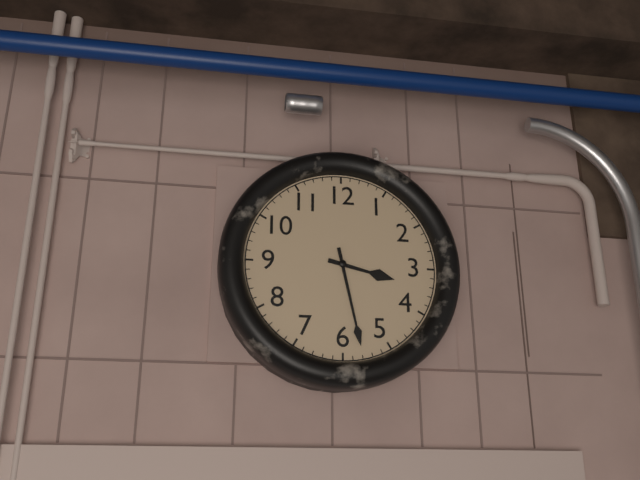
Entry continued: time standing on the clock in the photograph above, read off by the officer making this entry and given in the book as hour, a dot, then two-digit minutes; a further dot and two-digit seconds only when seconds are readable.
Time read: 3.28
